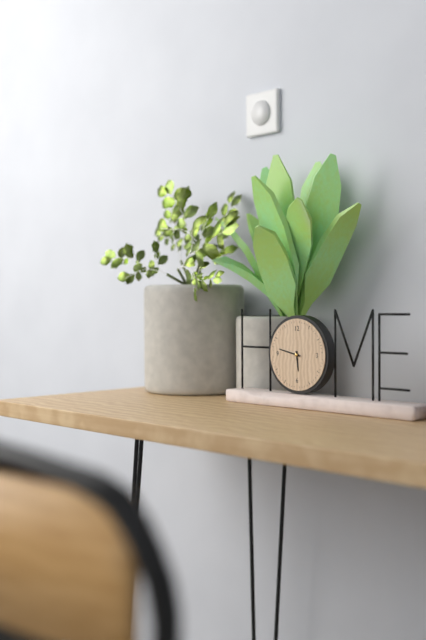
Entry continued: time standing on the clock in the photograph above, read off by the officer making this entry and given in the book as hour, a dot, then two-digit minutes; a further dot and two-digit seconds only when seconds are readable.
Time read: 5.47
